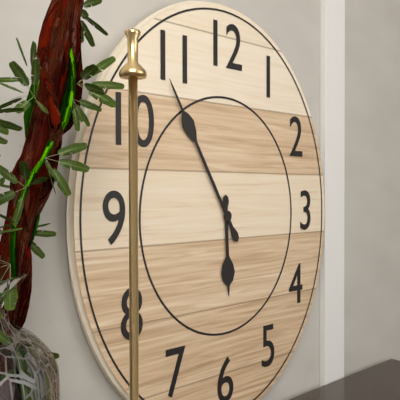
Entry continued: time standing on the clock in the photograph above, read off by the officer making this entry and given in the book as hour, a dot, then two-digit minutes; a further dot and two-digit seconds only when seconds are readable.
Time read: 5.55
